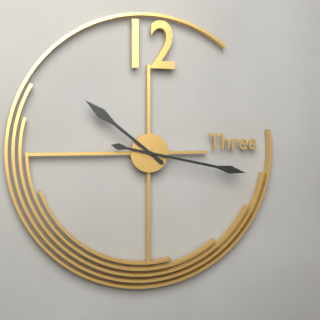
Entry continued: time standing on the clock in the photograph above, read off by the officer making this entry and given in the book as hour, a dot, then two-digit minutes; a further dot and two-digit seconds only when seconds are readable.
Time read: 10.17
